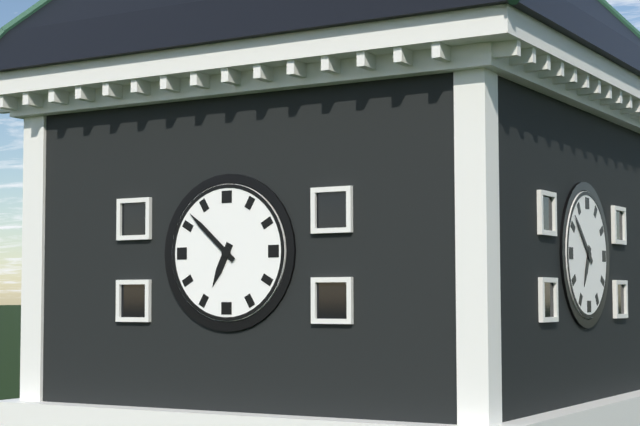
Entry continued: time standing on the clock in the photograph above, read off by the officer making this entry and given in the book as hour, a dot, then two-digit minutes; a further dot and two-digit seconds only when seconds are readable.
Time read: 6.52
